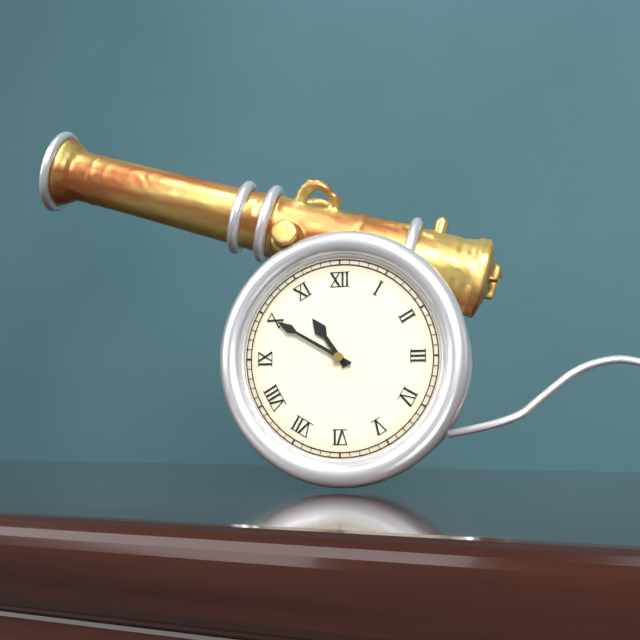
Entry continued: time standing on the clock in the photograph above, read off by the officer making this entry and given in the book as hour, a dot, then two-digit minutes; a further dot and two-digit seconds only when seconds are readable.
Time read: 10.50
